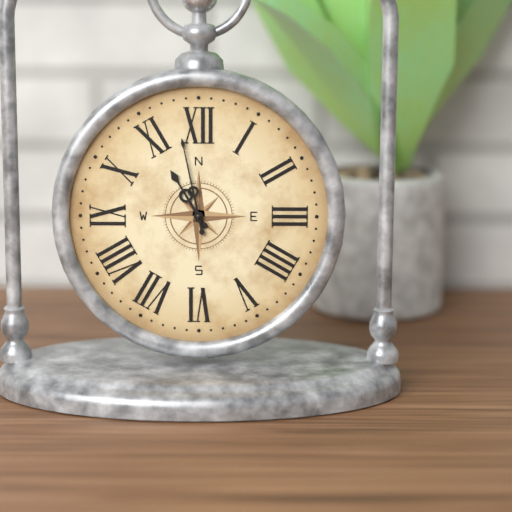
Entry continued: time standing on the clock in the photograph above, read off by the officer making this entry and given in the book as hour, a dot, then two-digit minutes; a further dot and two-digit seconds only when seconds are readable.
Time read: 10.58
